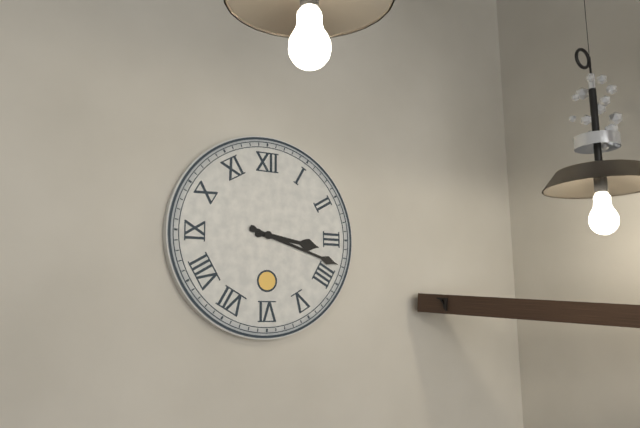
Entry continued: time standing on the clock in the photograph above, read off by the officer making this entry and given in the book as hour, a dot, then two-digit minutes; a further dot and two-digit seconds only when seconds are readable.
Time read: 3.18
